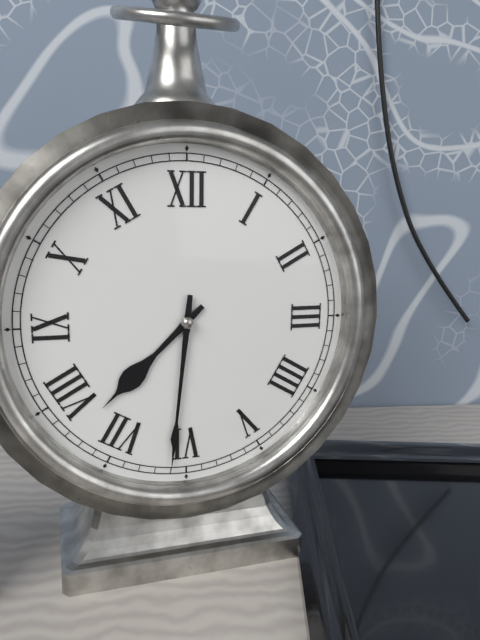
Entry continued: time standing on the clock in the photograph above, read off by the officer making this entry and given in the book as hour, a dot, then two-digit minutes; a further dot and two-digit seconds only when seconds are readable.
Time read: 7.31
